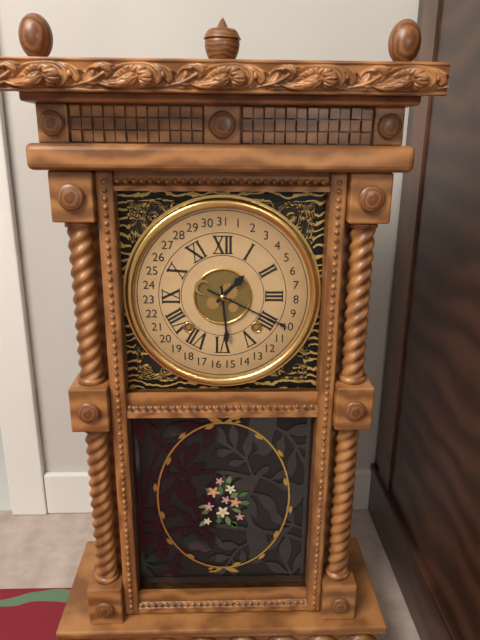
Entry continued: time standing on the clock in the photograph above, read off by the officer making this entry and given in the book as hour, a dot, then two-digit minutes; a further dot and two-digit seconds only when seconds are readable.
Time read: 1.29
